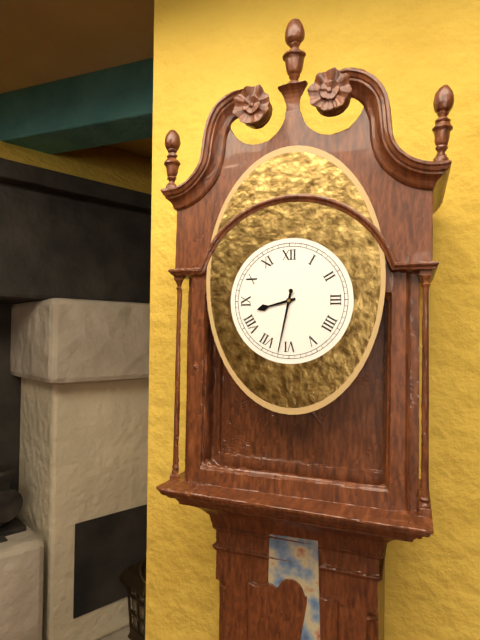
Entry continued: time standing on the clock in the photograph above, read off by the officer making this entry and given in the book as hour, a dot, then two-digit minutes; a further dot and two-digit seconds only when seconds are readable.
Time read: 8.32
